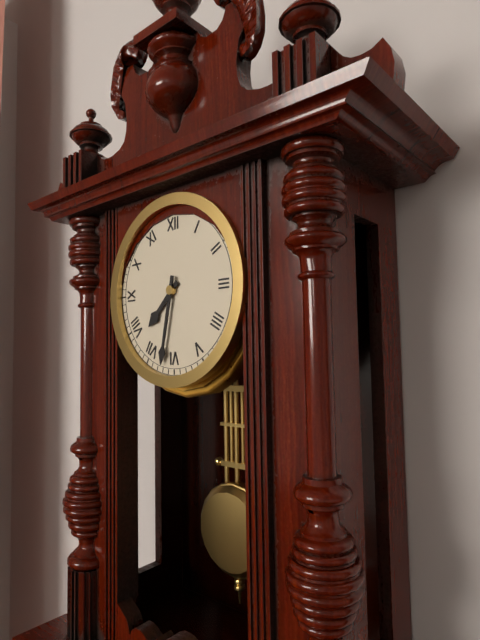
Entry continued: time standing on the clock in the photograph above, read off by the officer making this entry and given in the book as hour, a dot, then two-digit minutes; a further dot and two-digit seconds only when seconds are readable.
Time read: 7.32
